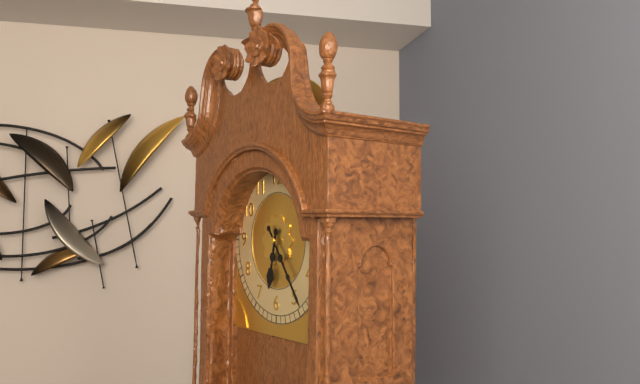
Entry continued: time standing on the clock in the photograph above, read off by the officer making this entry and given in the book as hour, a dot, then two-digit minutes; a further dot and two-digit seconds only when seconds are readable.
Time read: 6.24
